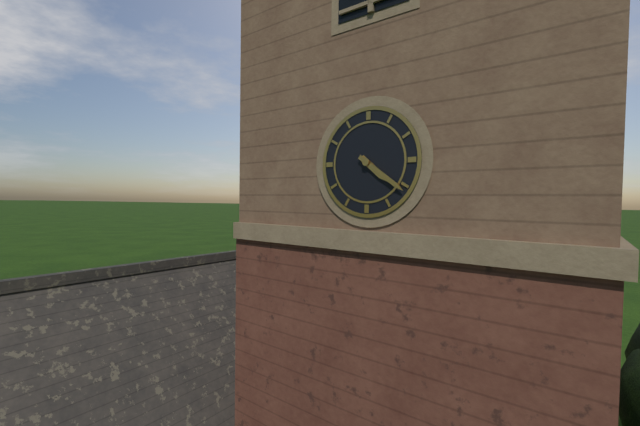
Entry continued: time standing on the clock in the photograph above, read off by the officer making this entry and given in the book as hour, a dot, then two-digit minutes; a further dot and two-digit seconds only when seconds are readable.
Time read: 4.21
